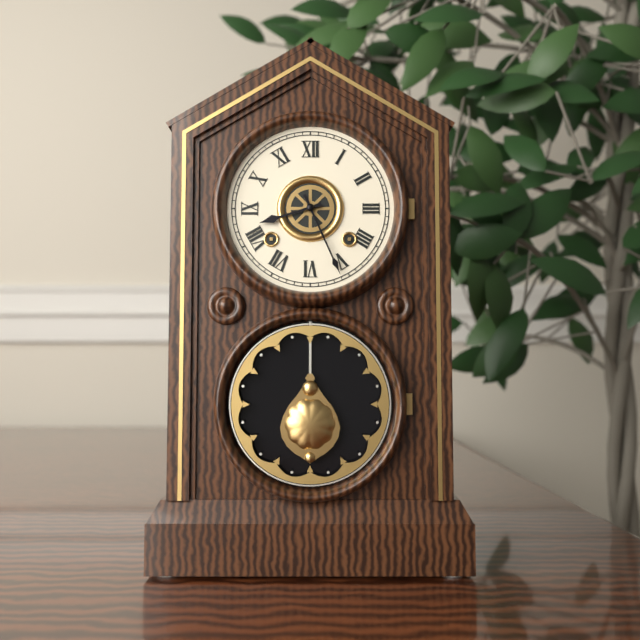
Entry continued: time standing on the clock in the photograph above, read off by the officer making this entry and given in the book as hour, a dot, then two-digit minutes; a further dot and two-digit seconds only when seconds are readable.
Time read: 8.26
